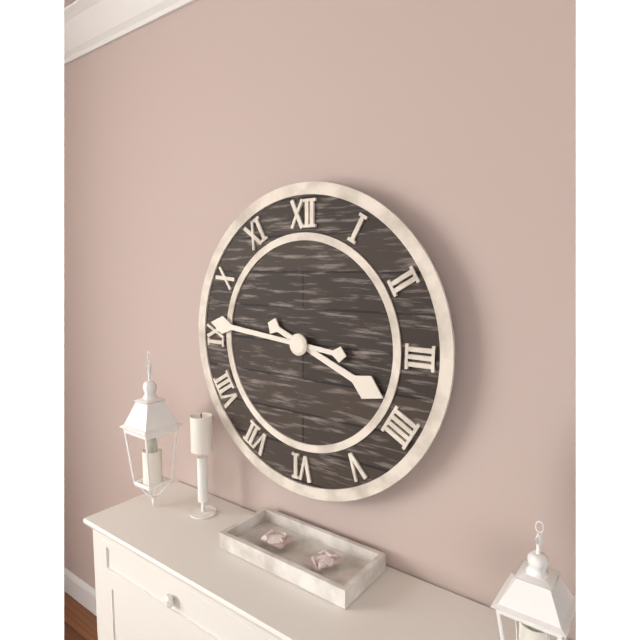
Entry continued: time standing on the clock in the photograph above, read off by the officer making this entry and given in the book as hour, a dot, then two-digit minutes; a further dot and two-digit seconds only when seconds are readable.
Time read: 3.46
